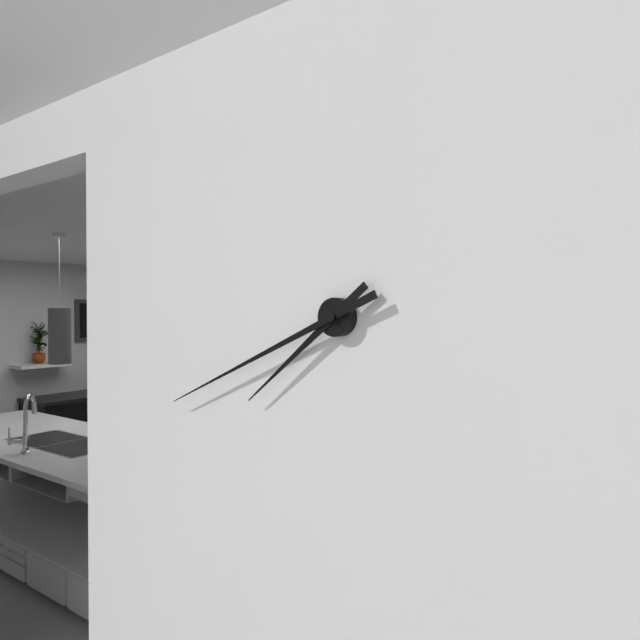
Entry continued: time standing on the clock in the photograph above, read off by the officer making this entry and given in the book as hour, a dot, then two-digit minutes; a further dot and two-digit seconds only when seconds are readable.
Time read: 7.41
